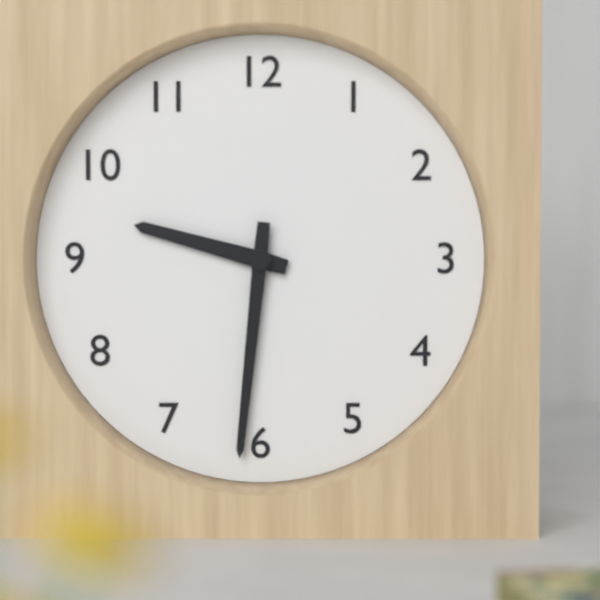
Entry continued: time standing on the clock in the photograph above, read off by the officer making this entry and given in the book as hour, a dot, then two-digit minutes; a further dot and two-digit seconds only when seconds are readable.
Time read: 9.31
